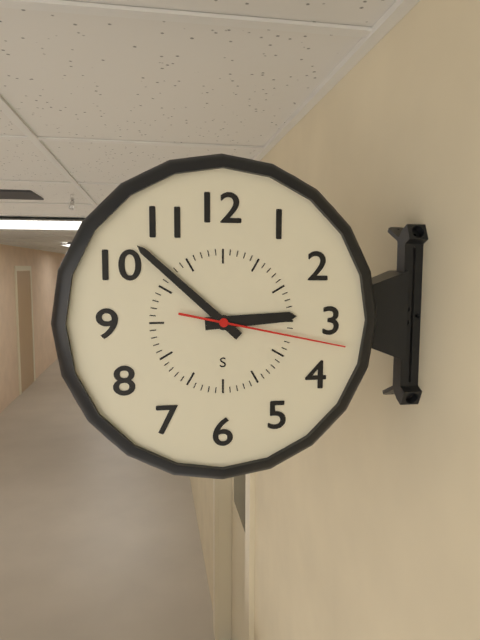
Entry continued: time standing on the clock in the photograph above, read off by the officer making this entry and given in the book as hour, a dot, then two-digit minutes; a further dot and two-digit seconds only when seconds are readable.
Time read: 2.52.17
